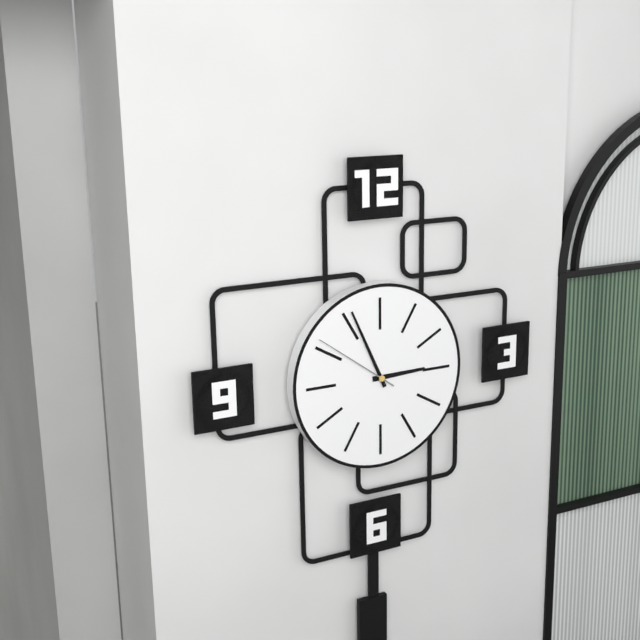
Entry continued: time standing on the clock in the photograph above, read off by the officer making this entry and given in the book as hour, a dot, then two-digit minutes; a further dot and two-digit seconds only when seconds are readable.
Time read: 2.56.51
